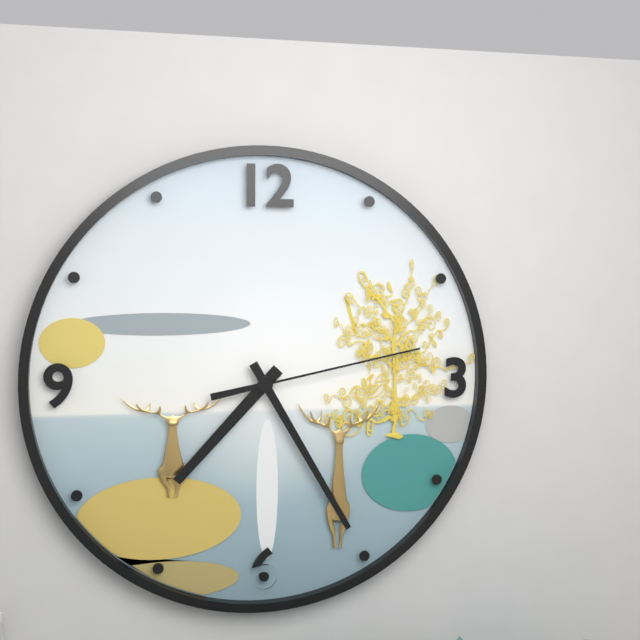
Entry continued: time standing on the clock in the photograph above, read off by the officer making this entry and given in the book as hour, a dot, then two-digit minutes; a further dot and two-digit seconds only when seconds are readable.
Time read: 7.25.13
